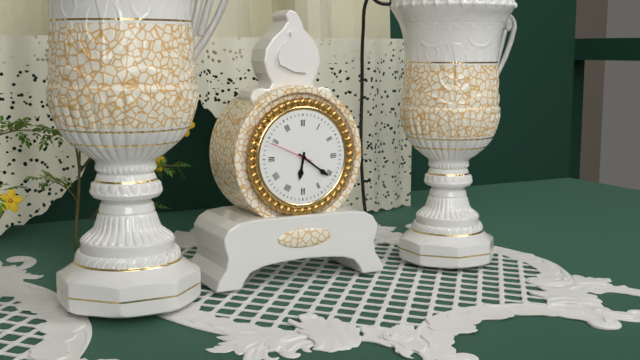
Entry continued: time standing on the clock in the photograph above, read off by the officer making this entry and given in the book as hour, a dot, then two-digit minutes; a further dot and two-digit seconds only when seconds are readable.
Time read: 6.21
